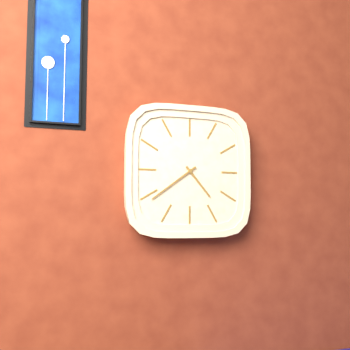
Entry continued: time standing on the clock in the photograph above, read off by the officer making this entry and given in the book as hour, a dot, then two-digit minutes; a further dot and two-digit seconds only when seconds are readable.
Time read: 4.39
